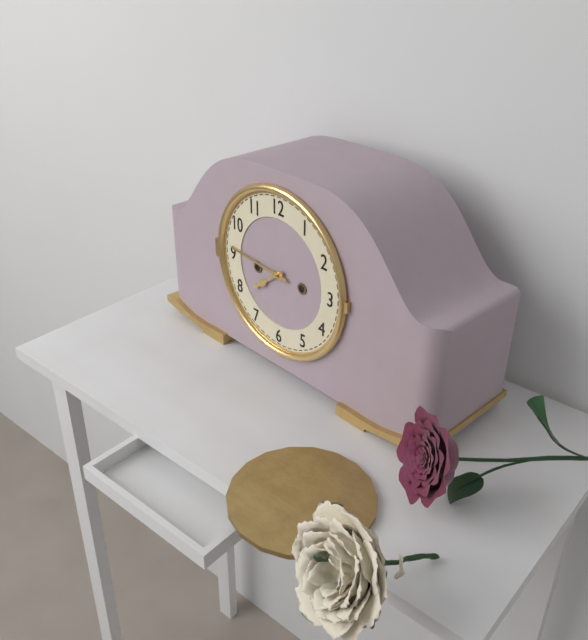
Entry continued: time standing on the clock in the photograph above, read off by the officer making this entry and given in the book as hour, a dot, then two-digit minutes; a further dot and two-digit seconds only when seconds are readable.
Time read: 7.46
